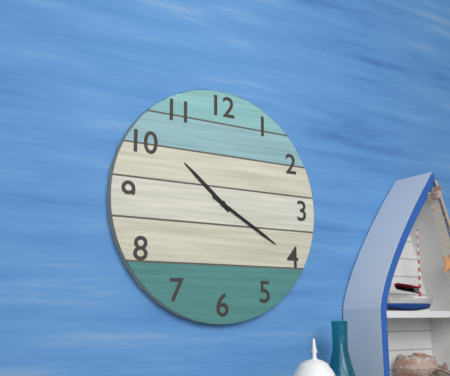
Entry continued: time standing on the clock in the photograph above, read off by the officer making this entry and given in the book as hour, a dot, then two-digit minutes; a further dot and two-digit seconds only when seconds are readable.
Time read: 10.20
